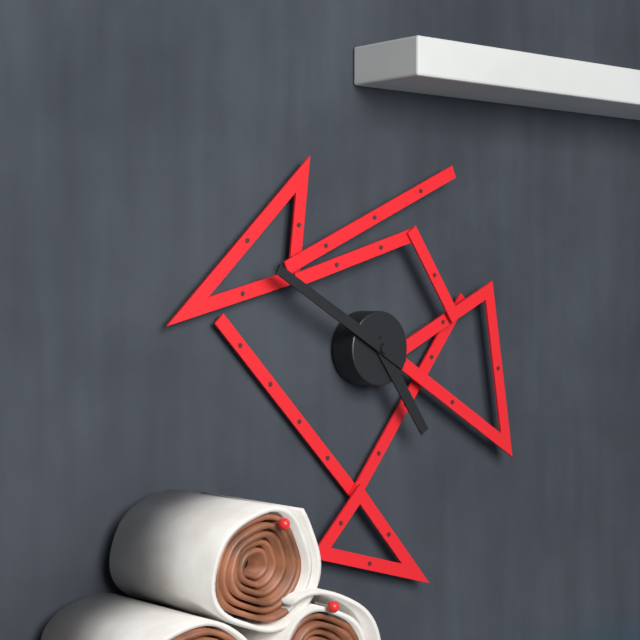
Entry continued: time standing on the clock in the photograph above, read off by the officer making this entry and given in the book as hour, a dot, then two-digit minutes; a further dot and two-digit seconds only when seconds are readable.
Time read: 4.50
